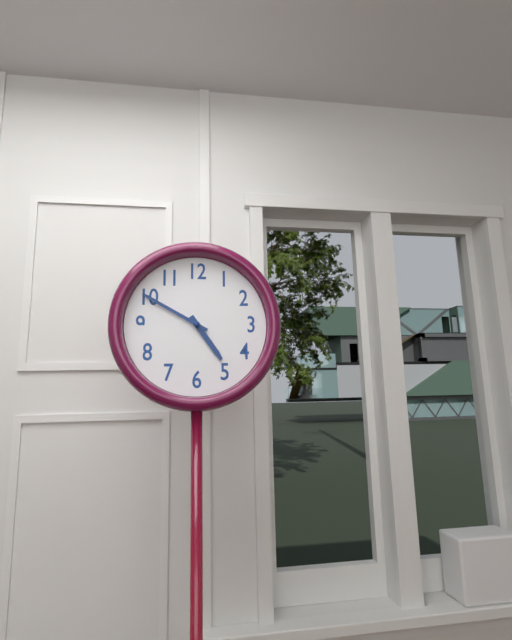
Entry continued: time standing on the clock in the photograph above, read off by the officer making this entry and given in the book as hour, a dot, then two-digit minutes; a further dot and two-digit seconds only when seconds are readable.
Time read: 4.50
